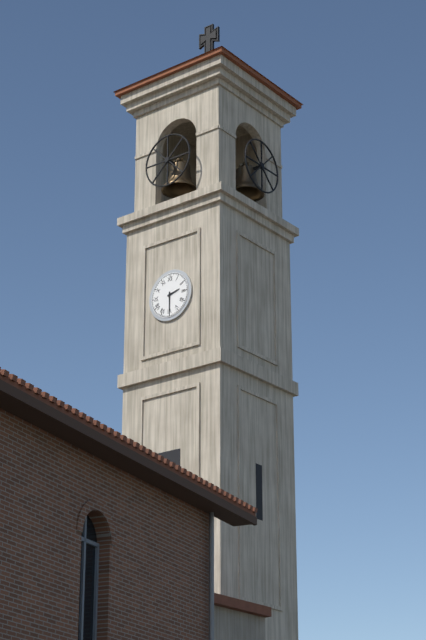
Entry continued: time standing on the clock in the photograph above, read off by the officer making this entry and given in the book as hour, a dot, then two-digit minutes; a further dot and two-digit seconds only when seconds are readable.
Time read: 2.30
